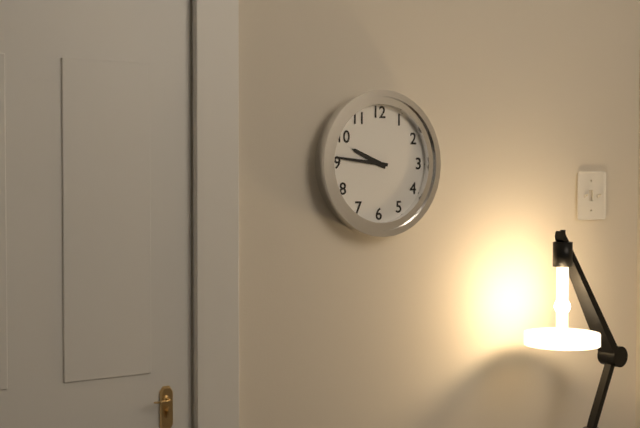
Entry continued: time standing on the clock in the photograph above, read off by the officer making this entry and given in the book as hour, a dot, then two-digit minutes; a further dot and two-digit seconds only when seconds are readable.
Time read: 9.46
